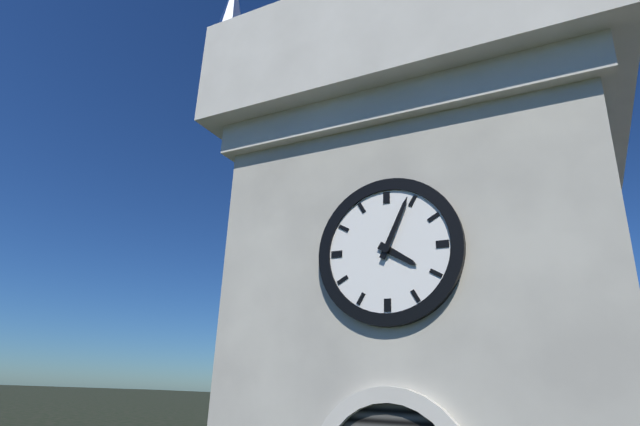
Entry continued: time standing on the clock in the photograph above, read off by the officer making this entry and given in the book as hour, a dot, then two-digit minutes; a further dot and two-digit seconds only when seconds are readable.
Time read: 4.04
